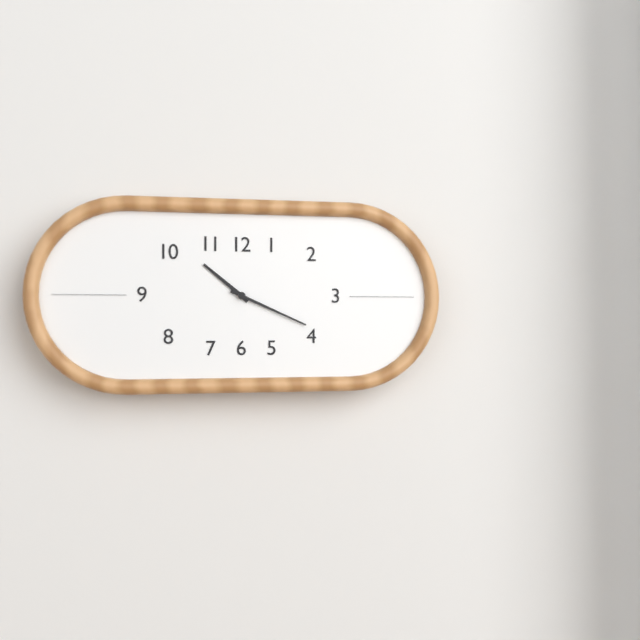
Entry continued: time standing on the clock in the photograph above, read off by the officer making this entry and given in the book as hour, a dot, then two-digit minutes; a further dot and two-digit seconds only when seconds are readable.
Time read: 10.19
